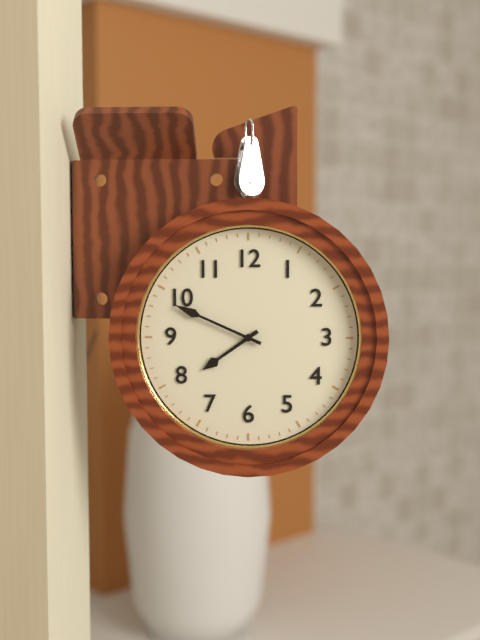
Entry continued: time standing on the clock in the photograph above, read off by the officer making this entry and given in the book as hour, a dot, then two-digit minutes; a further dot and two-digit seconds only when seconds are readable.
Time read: 7.49
